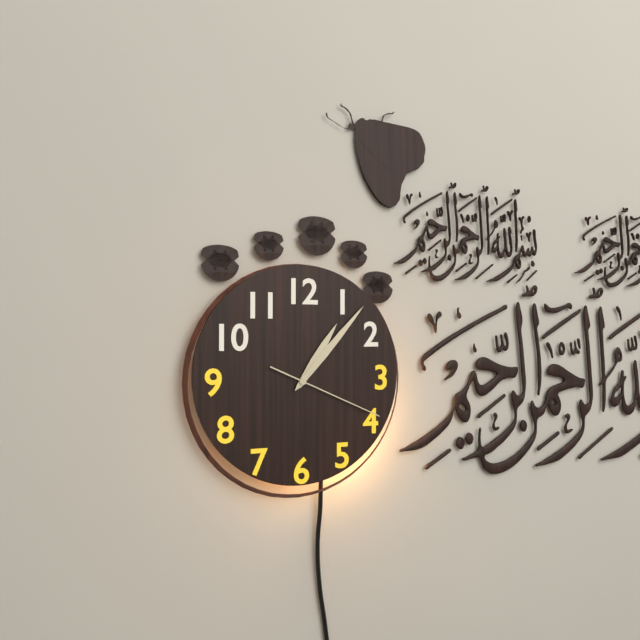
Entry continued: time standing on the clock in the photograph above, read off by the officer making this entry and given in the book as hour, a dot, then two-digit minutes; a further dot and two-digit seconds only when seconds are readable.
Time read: 1.07.19
